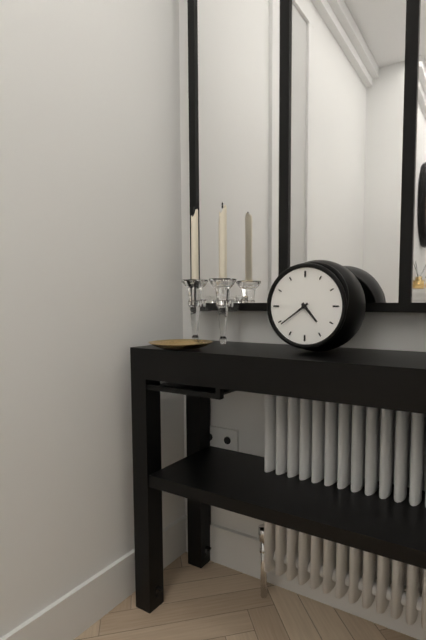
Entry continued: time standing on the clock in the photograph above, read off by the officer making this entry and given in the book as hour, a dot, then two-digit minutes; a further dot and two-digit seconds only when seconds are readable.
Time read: 4.39
